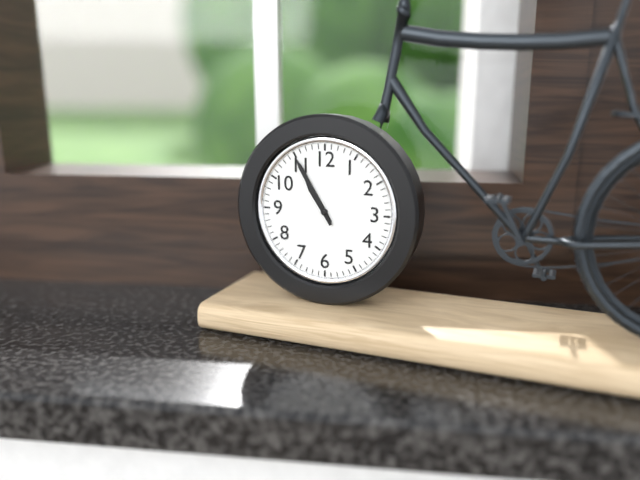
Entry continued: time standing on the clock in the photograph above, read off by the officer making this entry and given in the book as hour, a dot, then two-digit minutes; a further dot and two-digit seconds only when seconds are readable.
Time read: 10.55
